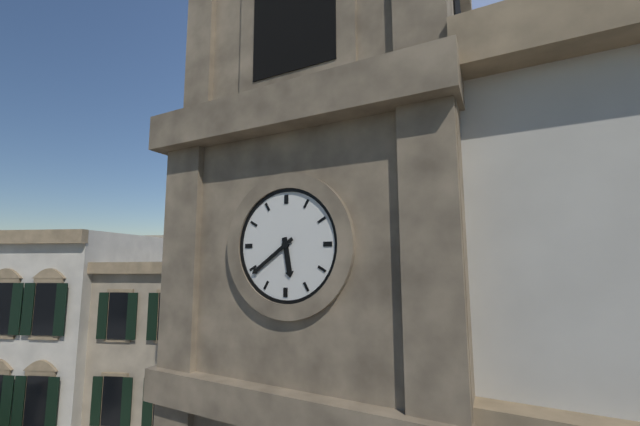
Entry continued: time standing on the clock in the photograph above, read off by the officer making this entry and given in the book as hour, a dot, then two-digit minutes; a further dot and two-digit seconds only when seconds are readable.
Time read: 5.39
